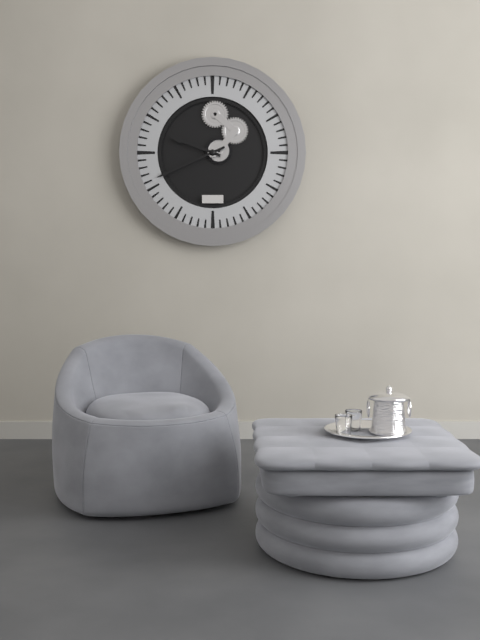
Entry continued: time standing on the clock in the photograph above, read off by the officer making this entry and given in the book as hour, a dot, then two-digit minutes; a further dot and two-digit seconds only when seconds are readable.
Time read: 9.41
